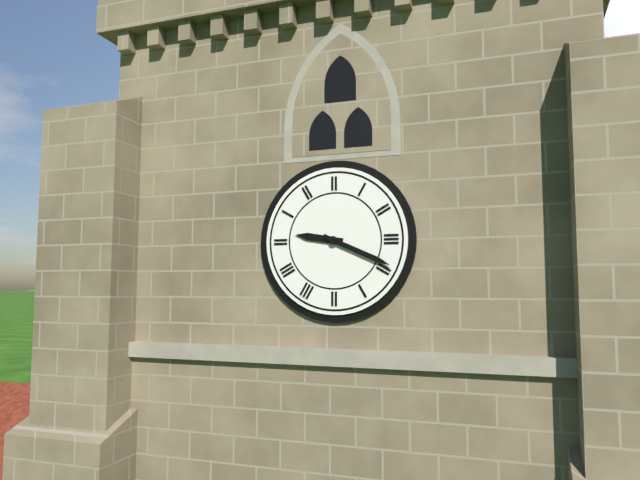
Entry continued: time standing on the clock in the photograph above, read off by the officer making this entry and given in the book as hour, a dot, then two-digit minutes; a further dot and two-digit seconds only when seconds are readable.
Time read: 9.19
